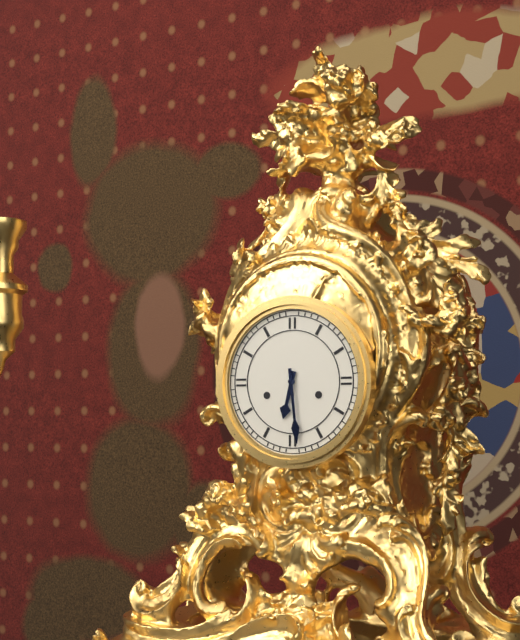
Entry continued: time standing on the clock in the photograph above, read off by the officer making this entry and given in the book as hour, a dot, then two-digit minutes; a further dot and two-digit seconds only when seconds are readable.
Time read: 6.29
